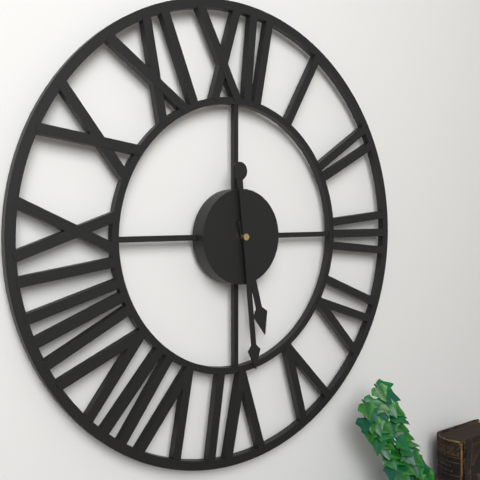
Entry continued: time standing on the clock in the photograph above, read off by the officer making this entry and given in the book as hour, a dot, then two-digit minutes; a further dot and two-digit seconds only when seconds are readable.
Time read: 5.29
